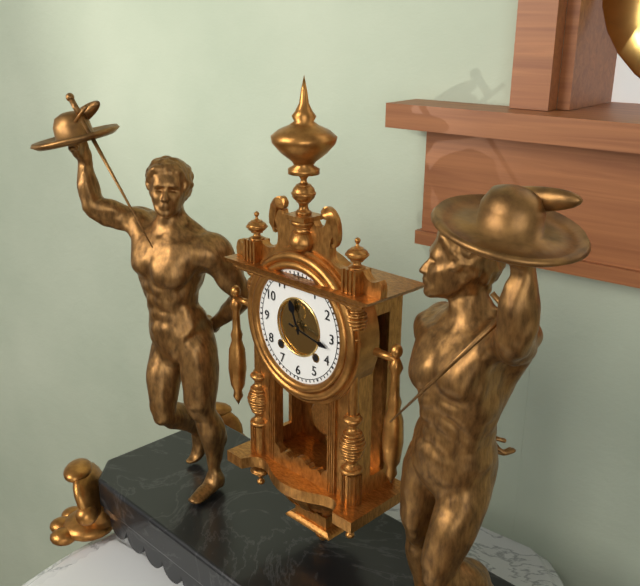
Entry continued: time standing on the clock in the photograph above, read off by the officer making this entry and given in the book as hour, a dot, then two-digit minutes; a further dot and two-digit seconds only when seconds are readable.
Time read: 11.17
